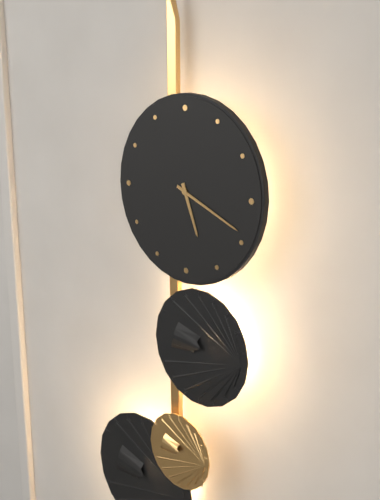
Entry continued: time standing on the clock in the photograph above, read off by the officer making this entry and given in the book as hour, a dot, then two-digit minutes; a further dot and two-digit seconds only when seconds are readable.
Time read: 5.19
